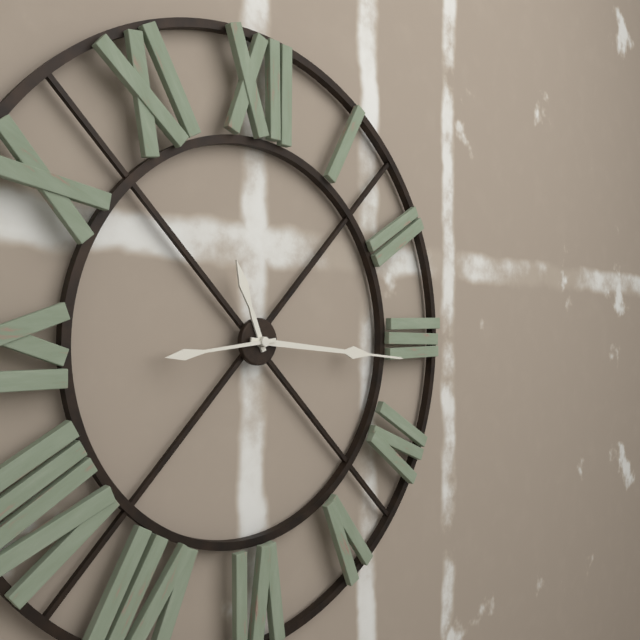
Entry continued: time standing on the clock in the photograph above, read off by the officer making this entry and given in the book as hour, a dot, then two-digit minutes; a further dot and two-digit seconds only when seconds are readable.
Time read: 11.16.44
